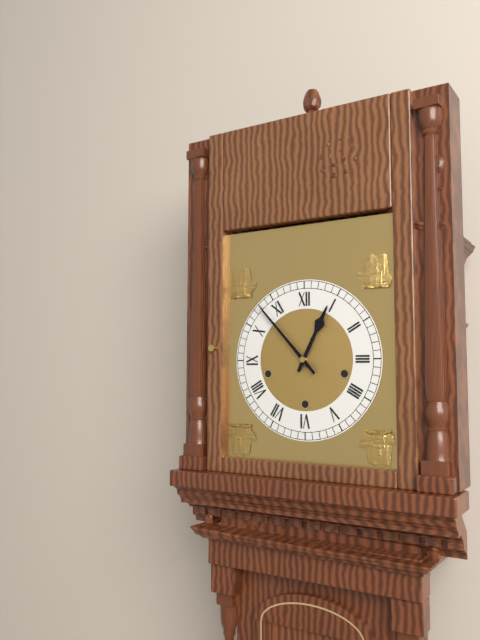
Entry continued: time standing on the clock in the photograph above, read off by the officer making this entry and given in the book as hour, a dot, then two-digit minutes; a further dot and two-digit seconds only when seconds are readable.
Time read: 12.53
